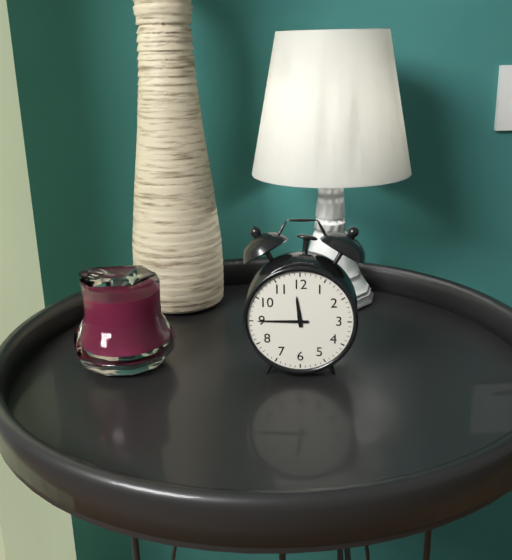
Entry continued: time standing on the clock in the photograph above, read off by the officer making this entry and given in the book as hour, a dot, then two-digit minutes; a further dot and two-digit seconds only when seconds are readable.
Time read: 11.45
